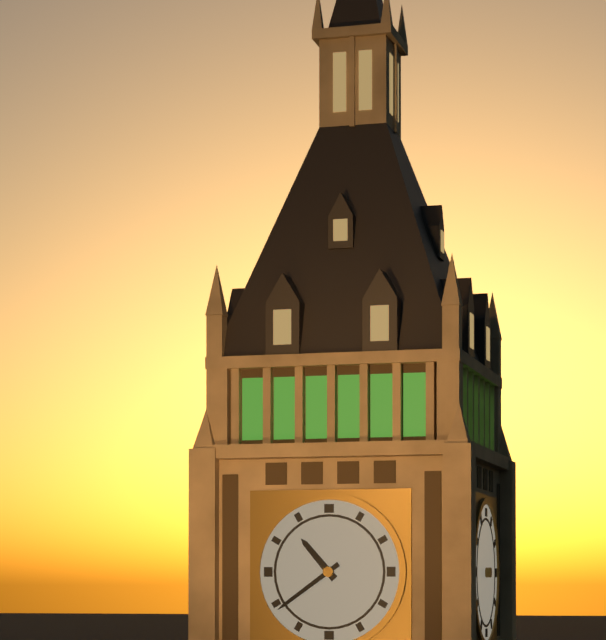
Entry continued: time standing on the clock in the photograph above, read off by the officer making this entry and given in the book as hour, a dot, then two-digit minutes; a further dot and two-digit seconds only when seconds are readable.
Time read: 10.39
